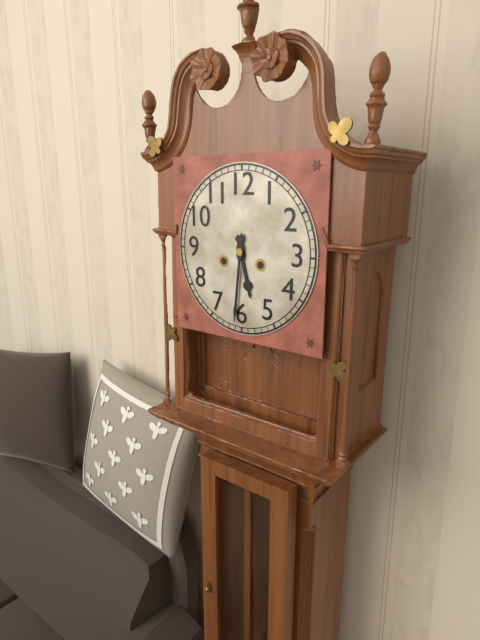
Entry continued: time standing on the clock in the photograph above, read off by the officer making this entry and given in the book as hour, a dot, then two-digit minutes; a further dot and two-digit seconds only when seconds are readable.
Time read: 5.31
